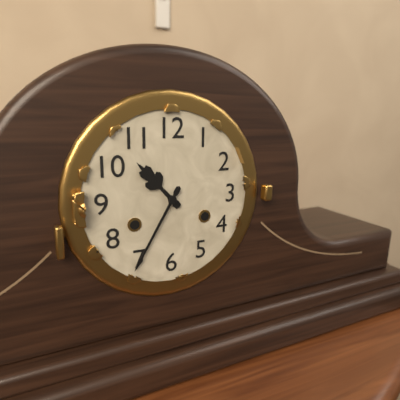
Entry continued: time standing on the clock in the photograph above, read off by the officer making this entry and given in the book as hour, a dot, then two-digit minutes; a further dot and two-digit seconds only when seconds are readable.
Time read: 10.35
